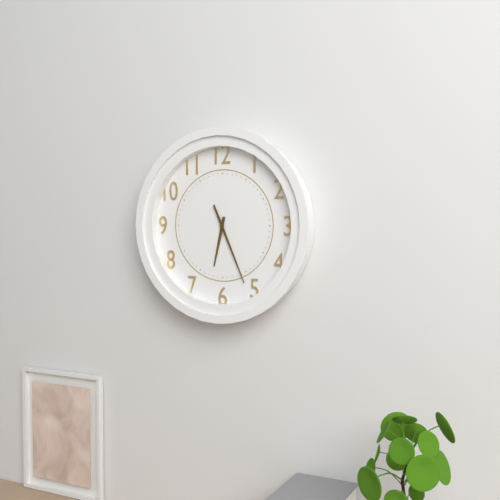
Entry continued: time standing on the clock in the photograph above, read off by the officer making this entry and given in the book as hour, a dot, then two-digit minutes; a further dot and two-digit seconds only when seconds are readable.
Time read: 6.26
